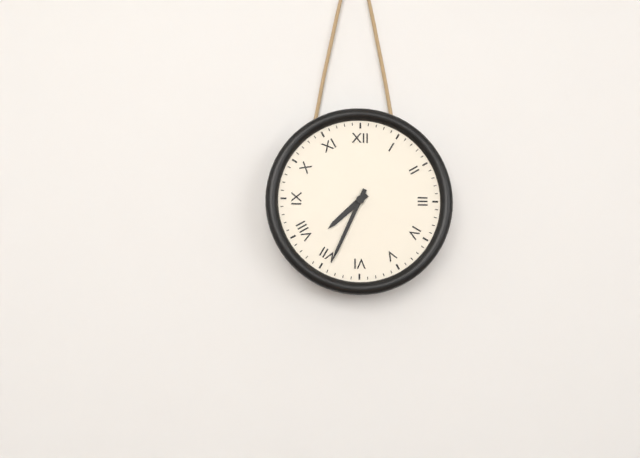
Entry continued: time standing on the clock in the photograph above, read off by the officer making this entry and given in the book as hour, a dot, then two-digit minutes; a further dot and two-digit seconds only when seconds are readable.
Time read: 7.34
